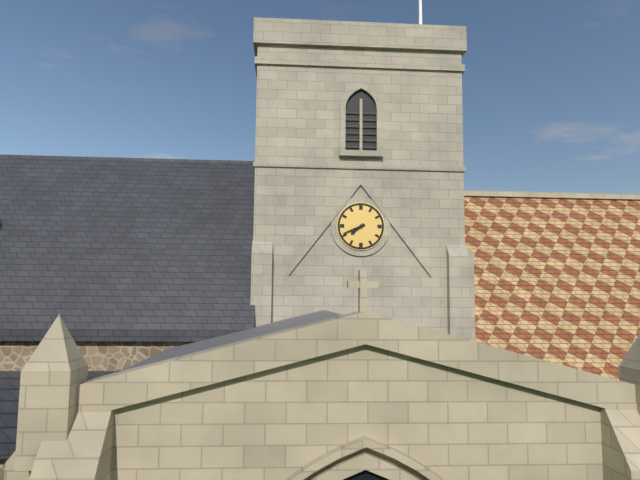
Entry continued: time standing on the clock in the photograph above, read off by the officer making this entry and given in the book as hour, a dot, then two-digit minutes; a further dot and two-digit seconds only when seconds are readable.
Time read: 7.41
